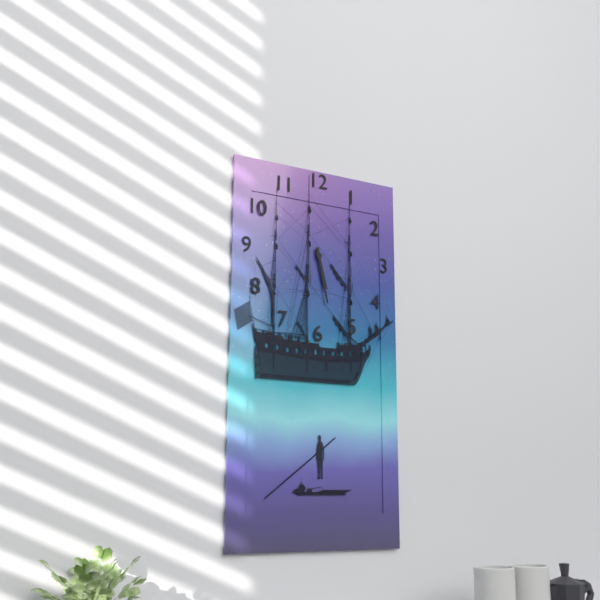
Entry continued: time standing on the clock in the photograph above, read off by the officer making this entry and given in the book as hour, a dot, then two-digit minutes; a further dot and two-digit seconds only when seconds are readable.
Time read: 5.28
